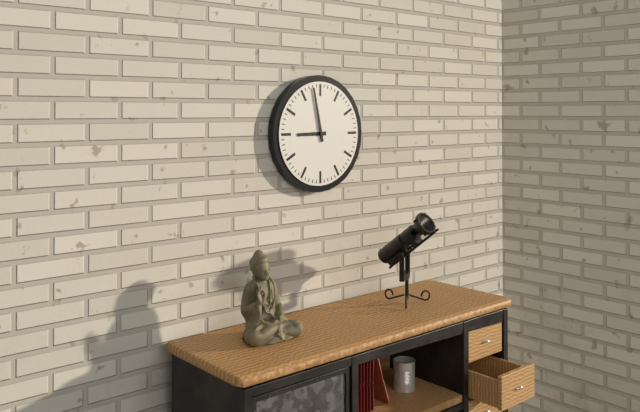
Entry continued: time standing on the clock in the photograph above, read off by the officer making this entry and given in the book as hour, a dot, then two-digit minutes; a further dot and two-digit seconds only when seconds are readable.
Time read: 8.58
